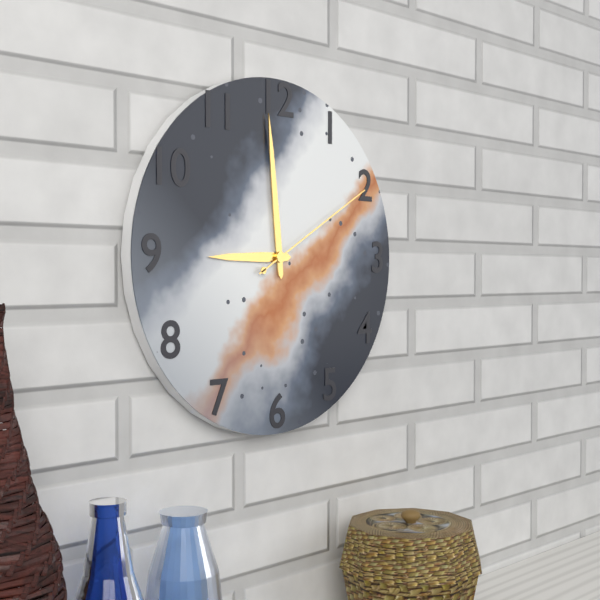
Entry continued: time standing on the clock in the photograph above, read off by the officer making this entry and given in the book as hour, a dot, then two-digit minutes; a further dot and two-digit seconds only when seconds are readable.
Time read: 8.59.10
